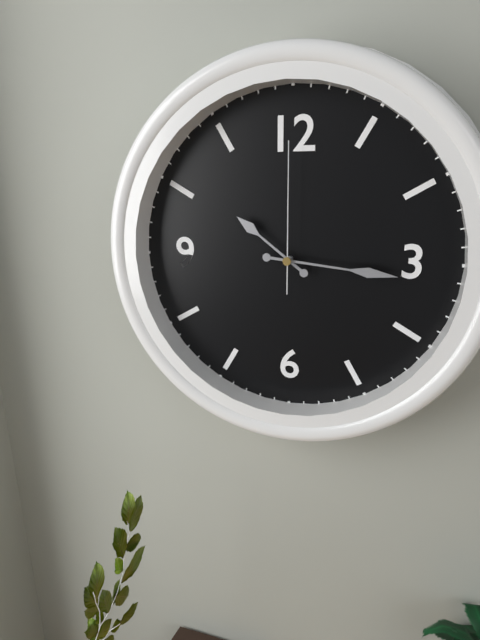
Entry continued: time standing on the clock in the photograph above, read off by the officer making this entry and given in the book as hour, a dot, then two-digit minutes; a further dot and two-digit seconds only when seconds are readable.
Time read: 10.16.00
